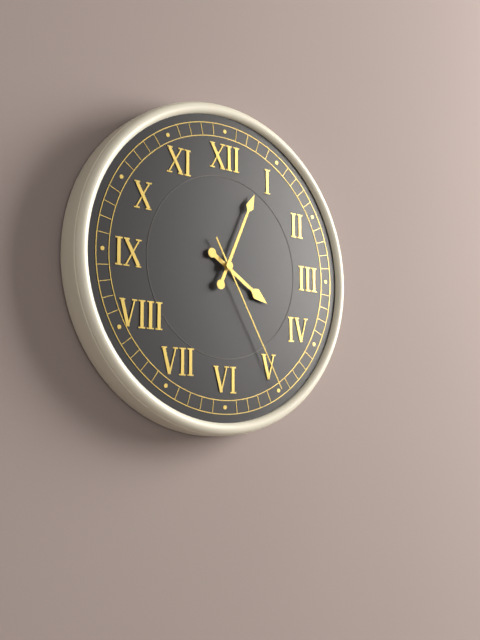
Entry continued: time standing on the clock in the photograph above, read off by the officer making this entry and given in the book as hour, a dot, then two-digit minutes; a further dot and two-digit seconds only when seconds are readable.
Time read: 4.04.25
